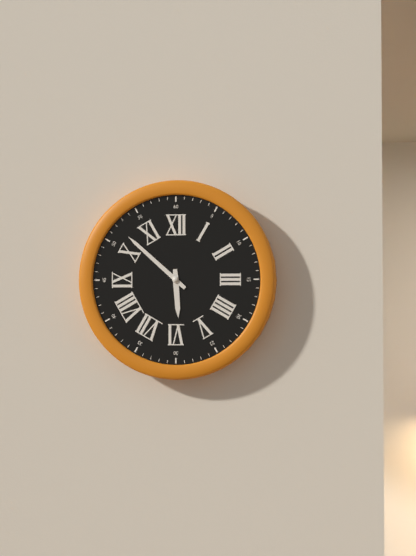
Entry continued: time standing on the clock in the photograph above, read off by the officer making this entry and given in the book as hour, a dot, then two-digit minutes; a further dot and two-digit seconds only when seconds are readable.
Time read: 5.52
